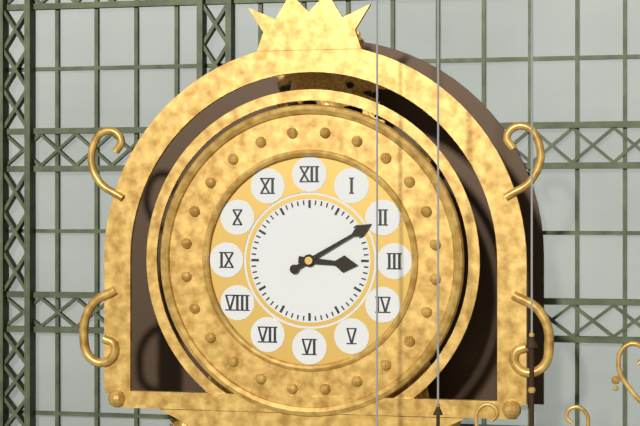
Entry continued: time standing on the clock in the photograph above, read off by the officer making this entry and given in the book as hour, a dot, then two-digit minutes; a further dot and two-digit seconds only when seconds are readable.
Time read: 3.10
